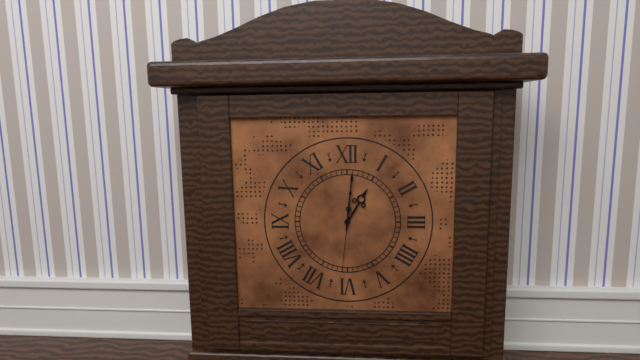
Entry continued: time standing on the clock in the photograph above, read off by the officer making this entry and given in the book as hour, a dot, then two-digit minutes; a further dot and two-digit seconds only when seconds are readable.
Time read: 1.01.31
